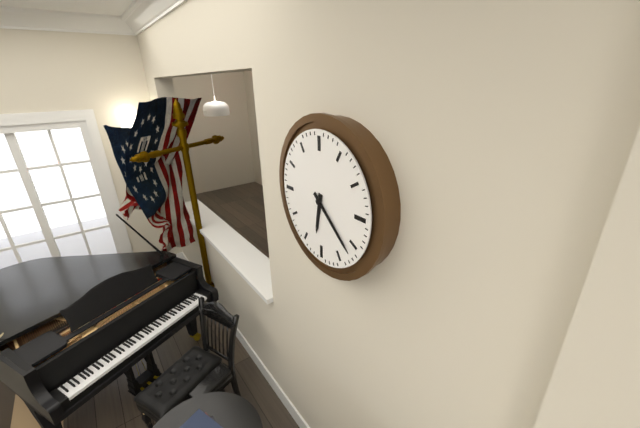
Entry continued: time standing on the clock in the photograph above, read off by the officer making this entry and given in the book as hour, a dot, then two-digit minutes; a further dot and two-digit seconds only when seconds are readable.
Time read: 6.22
